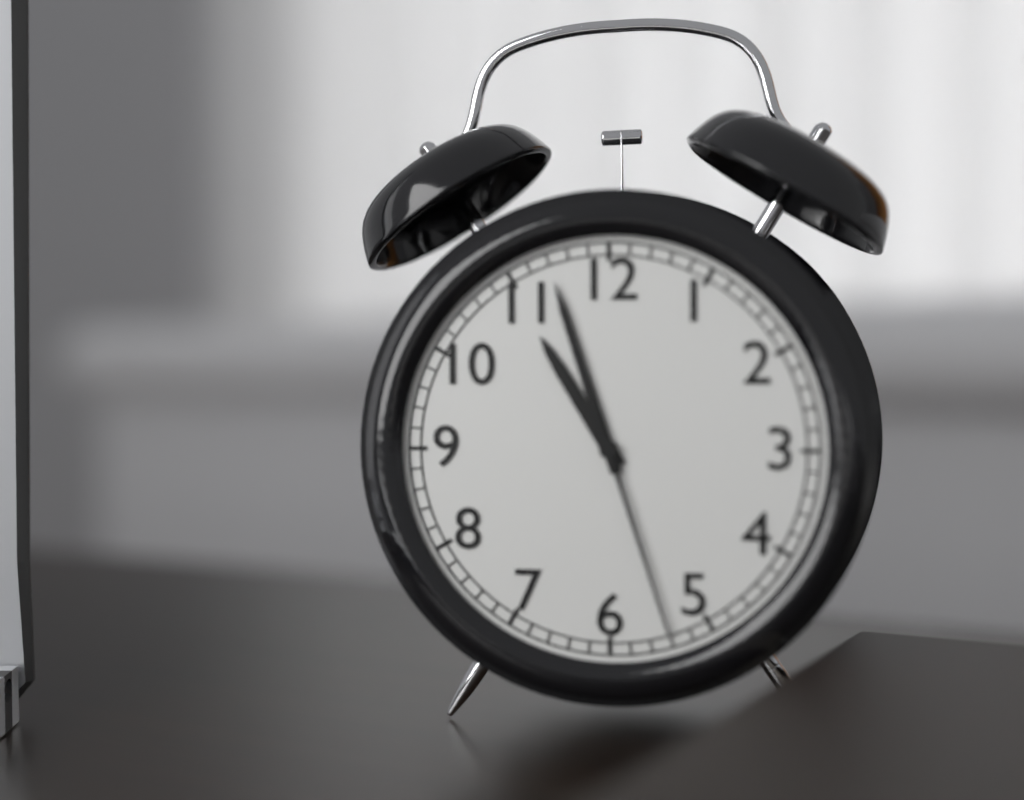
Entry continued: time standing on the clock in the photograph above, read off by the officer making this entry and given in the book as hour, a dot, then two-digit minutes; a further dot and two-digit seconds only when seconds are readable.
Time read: 10.57.27
